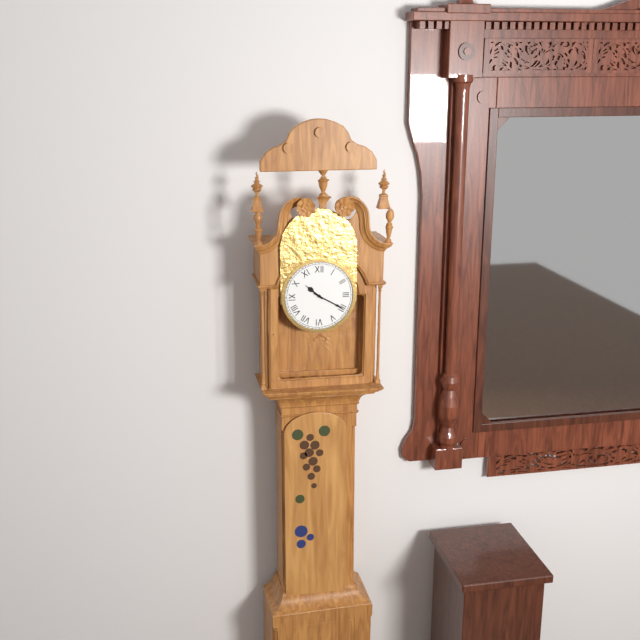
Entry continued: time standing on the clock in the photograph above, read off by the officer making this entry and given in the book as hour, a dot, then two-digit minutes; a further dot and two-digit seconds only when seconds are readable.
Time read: 10.20
